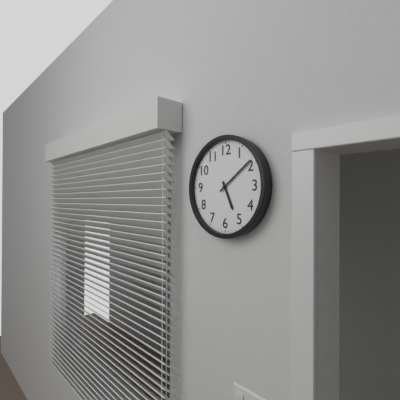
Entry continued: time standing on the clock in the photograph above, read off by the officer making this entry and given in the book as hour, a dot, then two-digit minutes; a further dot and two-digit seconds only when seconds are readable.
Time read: 5.09
